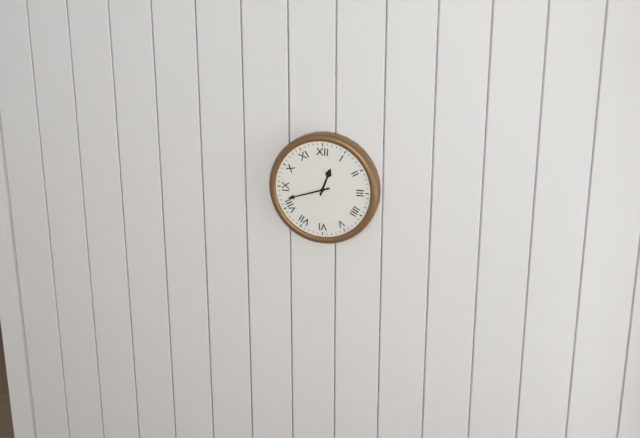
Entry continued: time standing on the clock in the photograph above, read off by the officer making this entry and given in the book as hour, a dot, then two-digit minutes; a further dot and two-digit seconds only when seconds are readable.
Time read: 12.42
